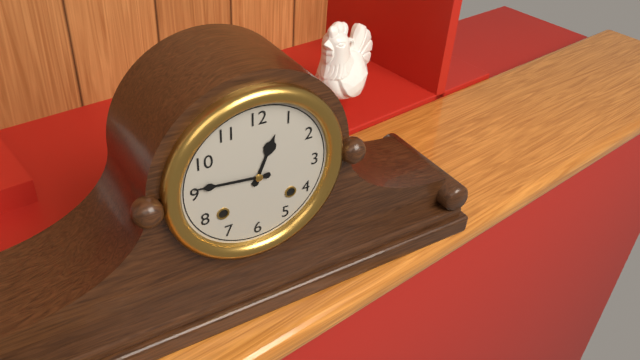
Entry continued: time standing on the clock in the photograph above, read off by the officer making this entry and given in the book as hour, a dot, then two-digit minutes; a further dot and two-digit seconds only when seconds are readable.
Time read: 12.46
